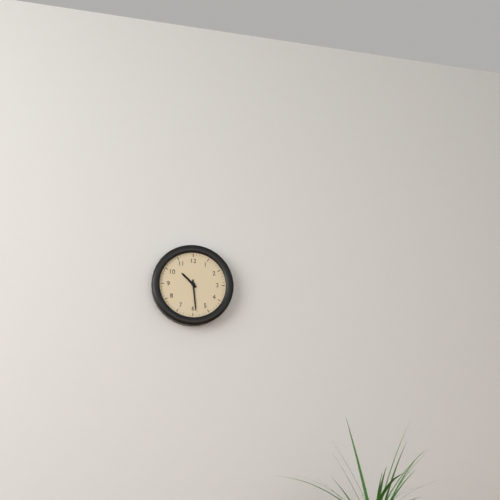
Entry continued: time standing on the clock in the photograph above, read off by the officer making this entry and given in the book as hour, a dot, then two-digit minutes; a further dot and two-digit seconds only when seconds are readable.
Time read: 10.29
